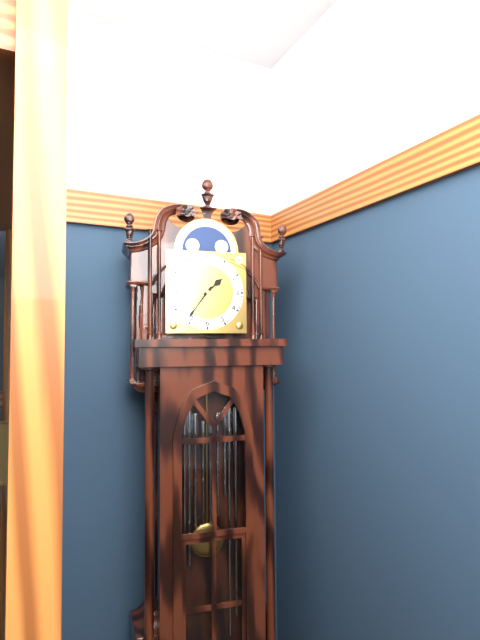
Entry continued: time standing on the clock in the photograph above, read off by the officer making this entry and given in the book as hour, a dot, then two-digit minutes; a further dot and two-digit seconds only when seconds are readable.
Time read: 1.36
